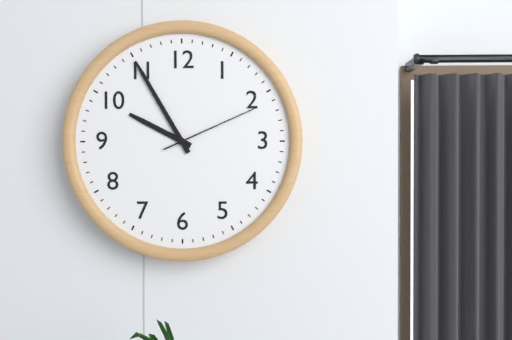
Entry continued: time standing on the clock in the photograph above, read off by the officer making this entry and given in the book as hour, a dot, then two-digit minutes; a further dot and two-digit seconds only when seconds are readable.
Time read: 9.55.11
